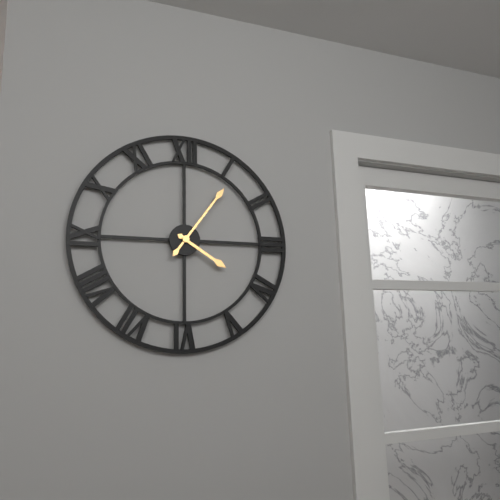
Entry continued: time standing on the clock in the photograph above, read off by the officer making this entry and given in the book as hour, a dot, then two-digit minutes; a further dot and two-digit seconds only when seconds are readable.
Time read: 4.06
